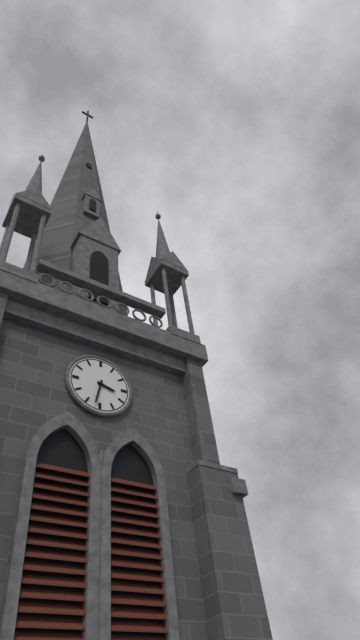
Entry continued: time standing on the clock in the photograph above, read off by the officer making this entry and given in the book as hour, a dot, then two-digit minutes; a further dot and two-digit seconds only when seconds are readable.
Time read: 3.32
